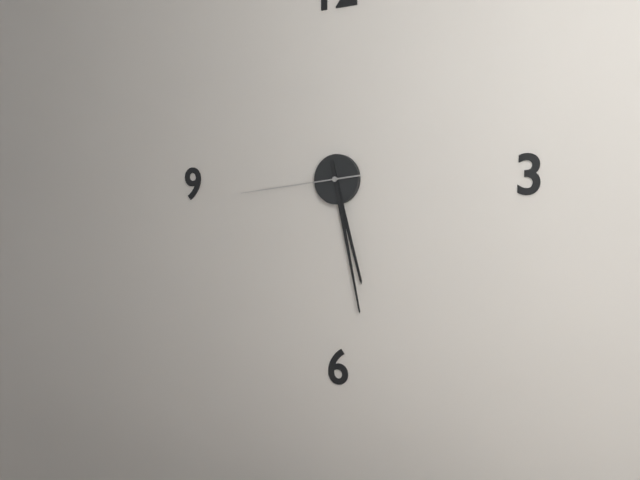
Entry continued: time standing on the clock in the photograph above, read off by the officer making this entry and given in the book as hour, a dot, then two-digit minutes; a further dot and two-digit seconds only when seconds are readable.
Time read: 5.28.44
